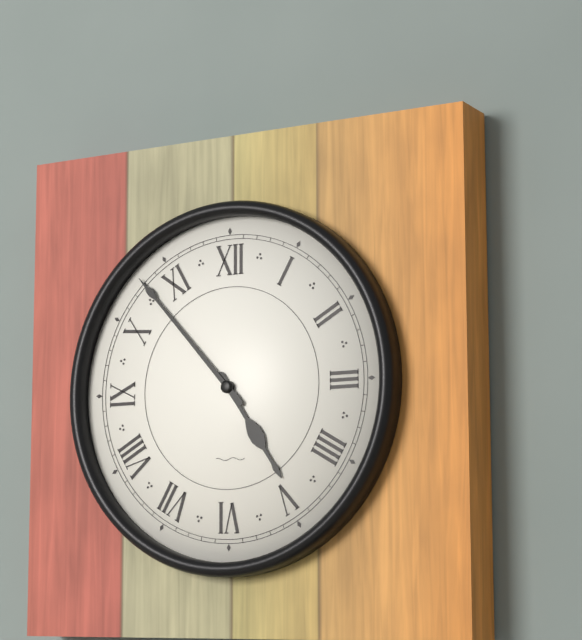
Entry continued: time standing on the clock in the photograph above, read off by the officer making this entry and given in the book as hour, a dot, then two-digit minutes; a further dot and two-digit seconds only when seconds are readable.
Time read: 4.53
